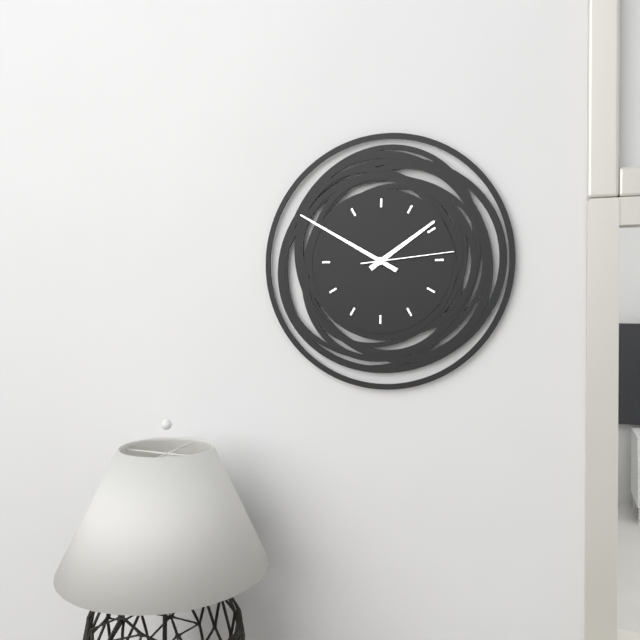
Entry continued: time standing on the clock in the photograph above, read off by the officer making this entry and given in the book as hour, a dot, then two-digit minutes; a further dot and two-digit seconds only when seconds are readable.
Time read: 1.50.14
